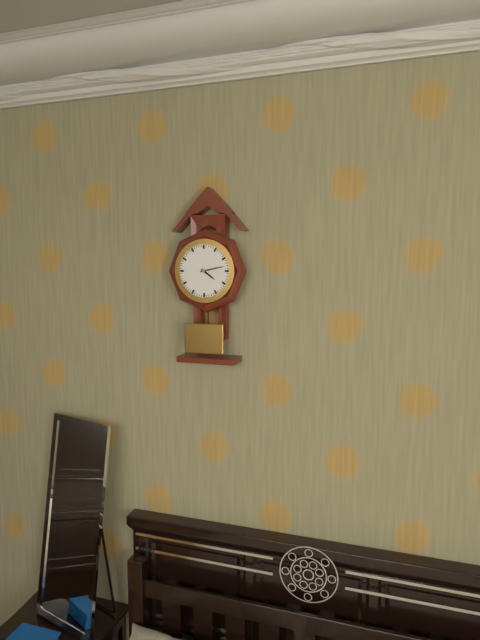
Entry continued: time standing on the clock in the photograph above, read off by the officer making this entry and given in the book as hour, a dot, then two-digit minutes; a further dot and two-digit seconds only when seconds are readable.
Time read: 4.13
